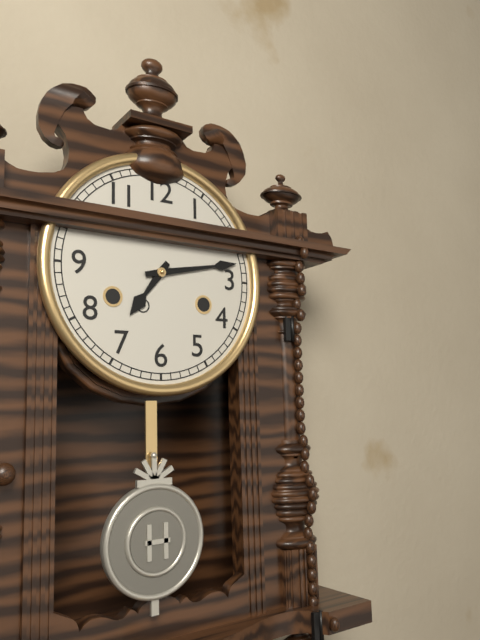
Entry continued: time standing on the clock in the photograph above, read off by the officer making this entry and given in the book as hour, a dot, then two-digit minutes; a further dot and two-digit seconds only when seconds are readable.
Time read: 7.13
